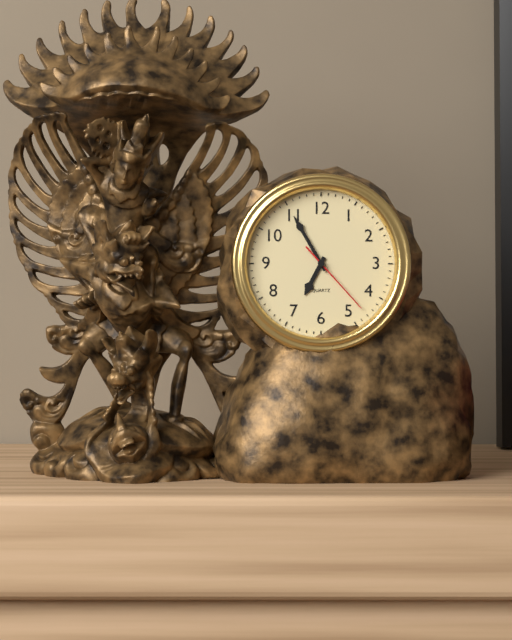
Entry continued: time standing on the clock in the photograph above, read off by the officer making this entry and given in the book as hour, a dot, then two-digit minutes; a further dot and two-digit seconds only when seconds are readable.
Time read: 6.55.23
